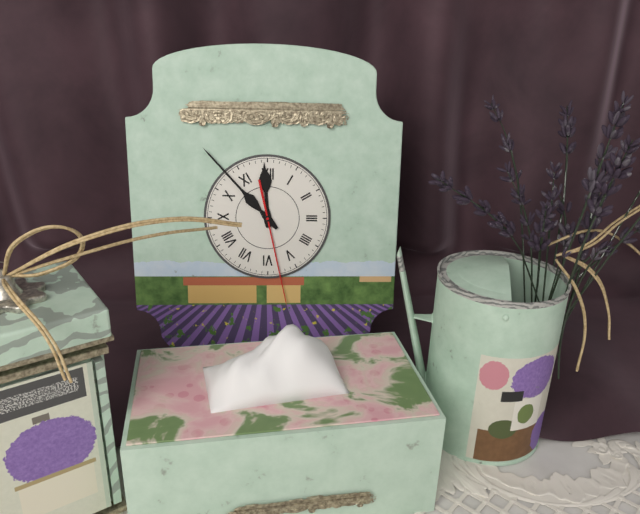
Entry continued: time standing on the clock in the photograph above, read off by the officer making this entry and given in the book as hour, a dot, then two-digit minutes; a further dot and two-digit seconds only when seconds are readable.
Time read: 11.53.28
